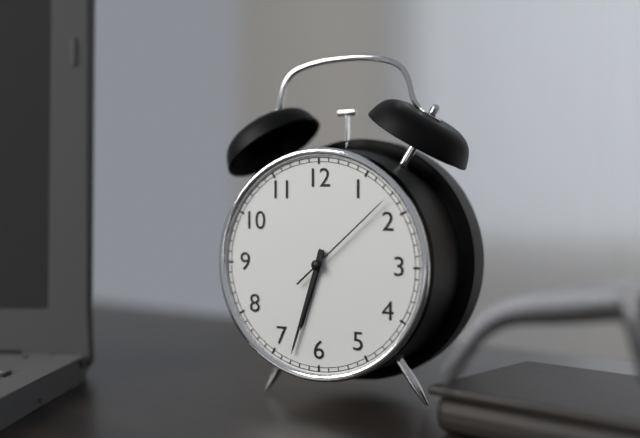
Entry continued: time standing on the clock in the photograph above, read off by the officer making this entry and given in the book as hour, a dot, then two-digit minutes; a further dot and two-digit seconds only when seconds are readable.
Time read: 6.33.08
